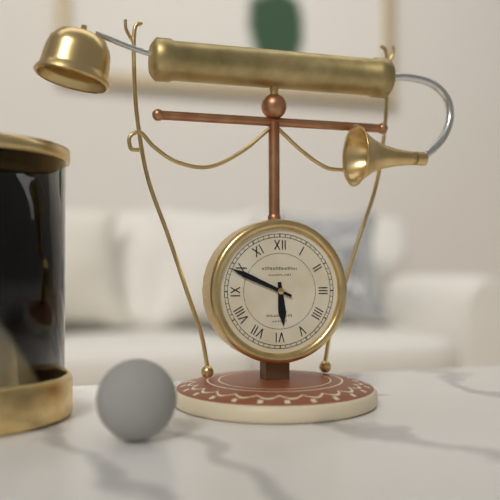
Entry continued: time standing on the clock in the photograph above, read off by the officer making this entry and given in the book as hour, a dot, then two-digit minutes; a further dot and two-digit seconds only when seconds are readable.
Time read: 5.49
